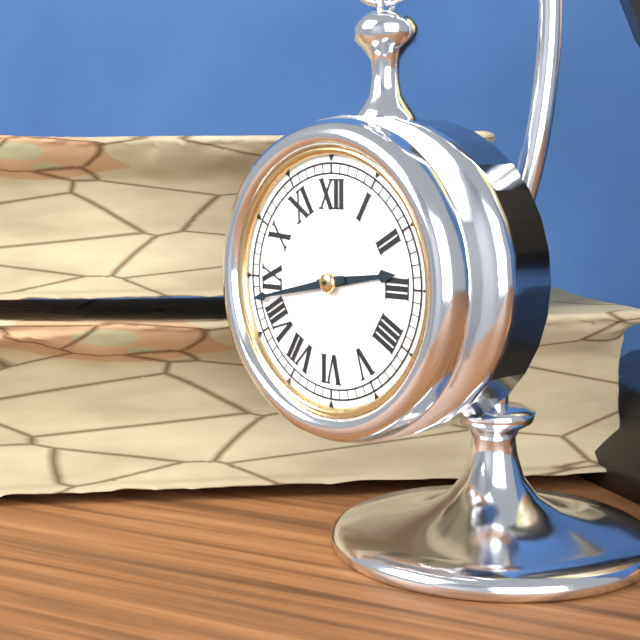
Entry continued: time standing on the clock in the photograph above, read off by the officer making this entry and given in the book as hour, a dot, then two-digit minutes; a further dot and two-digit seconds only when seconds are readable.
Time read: 2.43
